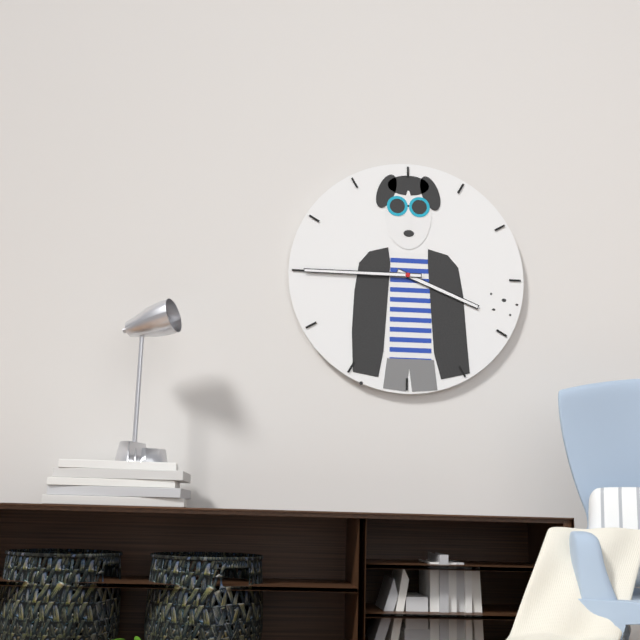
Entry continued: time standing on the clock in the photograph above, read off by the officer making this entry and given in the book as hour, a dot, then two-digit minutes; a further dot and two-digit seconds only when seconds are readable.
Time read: 3.45
